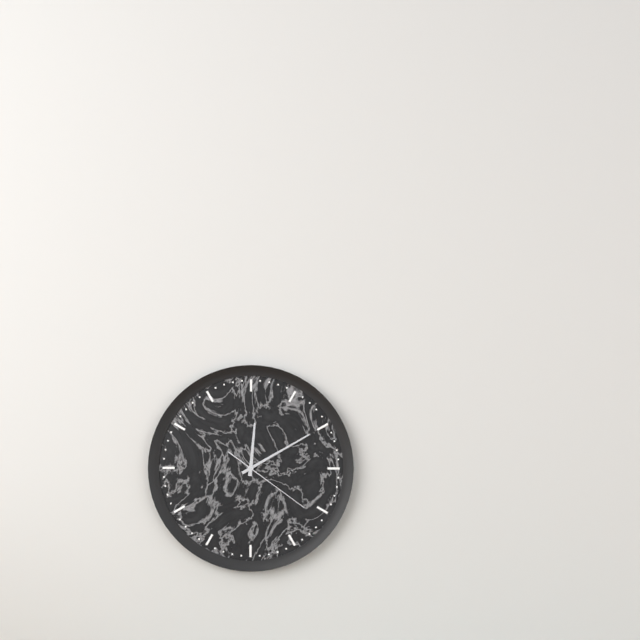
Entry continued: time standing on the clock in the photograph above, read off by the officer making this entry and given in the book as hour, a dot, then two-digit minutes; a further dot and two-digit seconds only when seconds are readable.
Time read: 12.10.21
